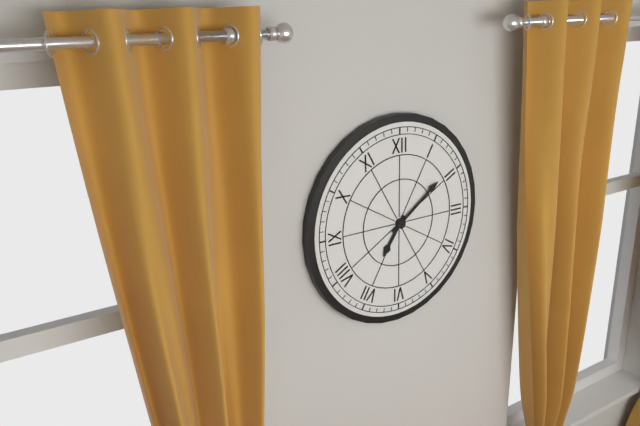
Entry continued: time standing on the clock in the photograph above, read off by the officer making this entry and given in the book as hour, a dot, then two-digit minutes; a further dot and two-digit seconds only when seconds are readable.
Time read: 7.09
